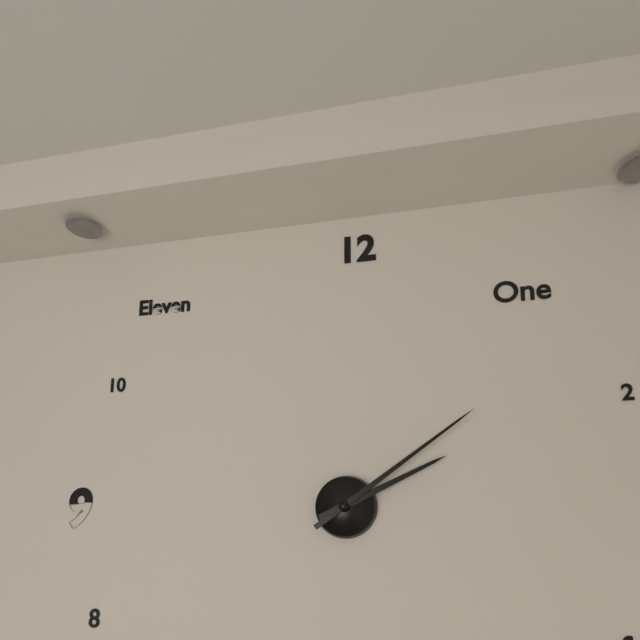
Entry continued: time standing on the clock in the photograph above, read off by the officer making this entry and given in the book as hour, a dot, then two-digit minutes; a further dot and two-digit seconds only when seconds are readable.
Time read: 2.09
